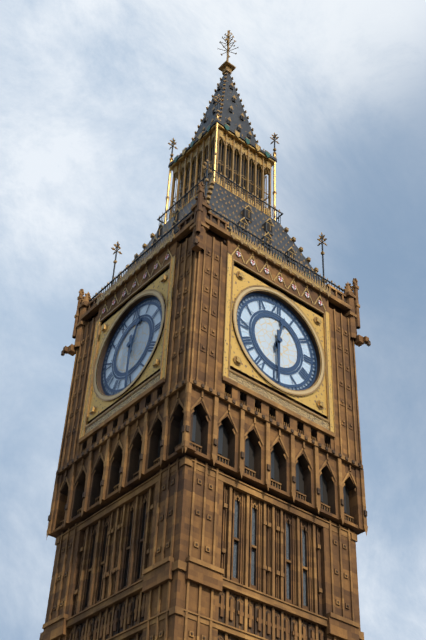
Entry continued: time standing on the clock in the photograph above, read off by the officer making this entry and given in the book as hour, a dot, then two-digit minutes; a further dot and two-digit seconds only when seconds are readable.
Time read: 12.30
